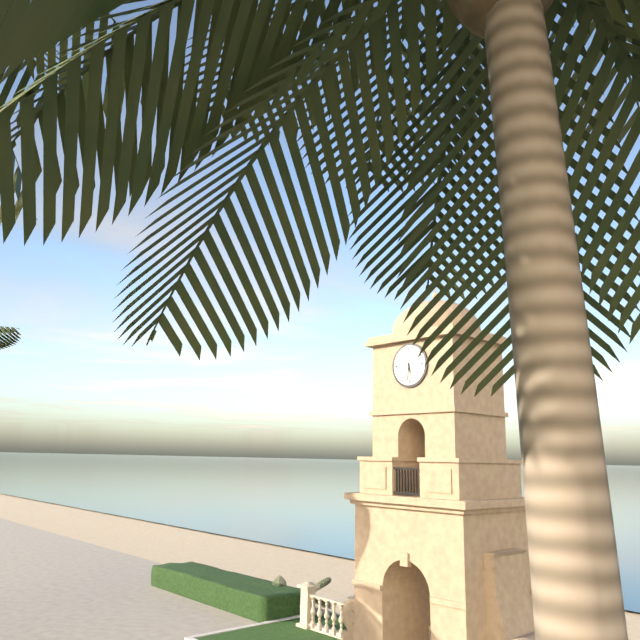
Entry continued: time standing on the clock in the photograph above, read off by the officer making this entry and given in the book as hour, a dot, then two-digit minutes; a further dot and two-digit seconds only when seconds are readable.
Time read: 5.31
